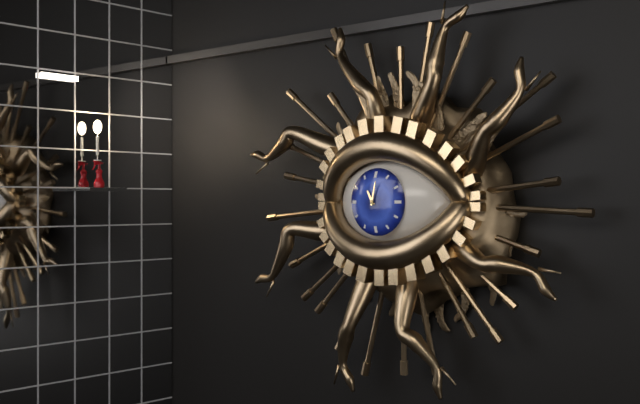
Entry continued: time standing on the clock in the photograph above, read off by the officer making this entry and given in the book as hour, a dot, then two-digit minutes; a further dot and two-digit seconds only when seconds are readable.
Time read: 11.02
